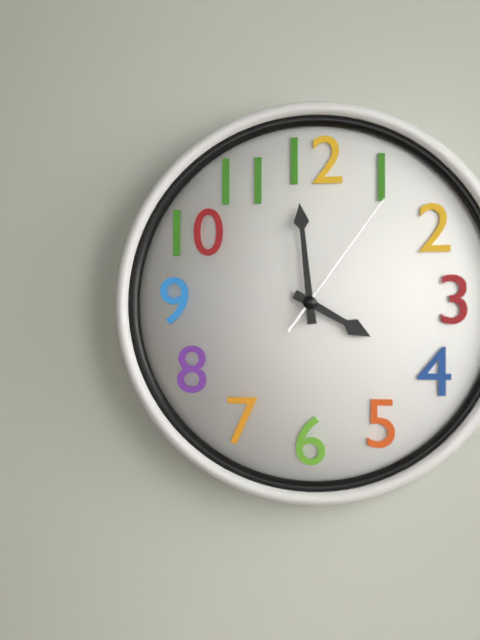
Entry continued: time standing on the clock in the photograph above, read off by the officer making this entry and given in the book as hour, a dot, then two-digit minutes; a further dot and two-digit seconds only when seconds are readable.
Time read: 3.59.06
